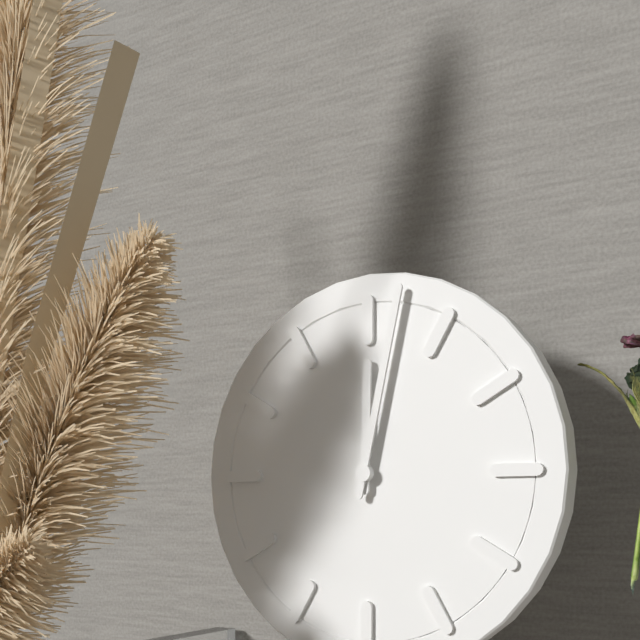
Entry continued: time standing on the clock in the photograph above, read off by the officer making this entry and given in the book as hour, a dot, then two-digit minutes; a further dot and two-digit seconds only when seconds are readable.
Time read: 12.02
